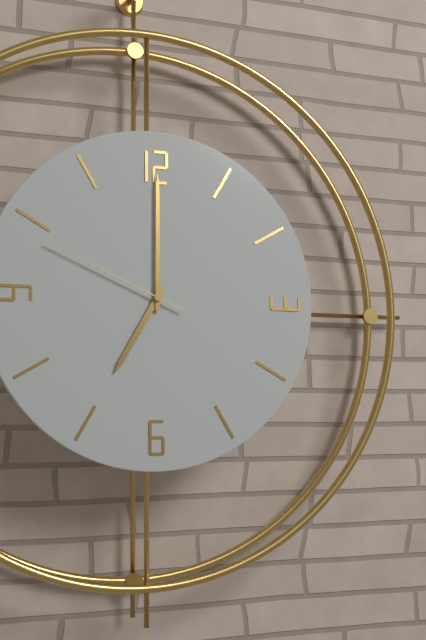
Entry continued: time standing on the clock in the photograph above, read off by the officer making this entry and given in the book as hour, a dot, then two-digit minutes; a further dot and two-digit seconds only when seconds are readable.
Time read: 7.00.49
